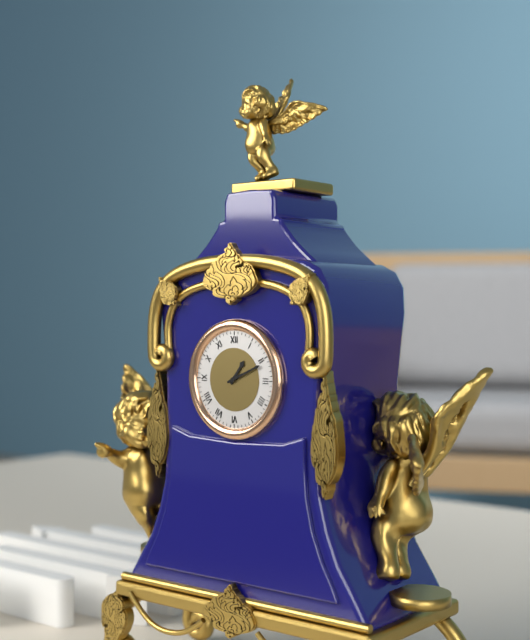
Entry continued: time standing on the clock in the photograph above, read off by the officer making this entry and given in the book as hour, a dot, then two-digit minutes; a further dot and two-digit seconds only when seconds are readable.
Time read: 1.11
